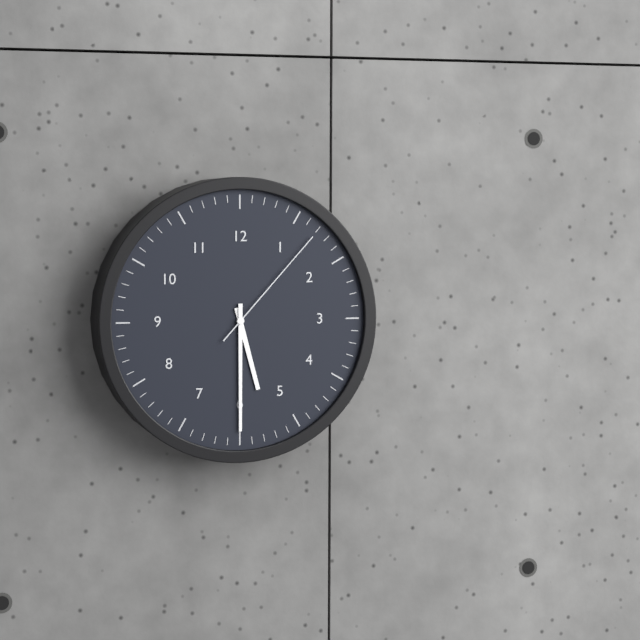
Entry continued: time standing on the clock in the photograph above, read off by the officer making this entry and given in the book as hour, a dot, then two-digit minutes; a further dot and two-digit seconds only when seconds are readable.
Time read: 5.30.07
